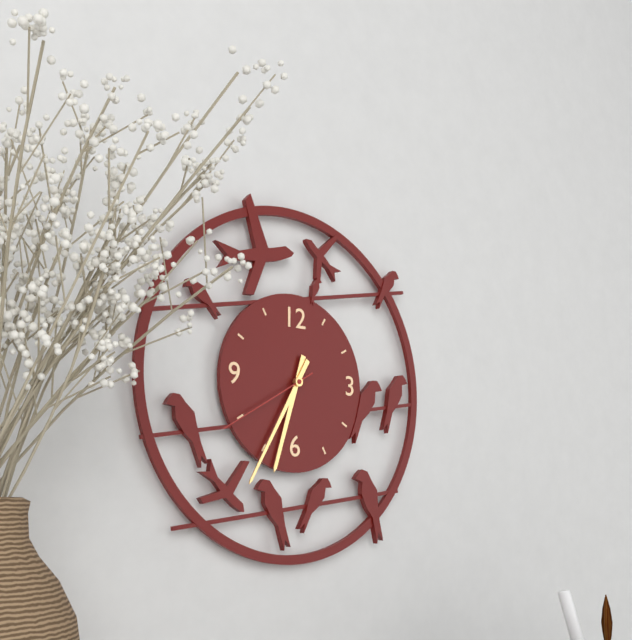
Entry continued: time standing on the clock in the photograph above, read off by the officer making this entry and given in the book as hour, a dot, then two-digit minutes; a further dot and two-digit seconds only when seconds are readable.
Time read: 6.35.40
